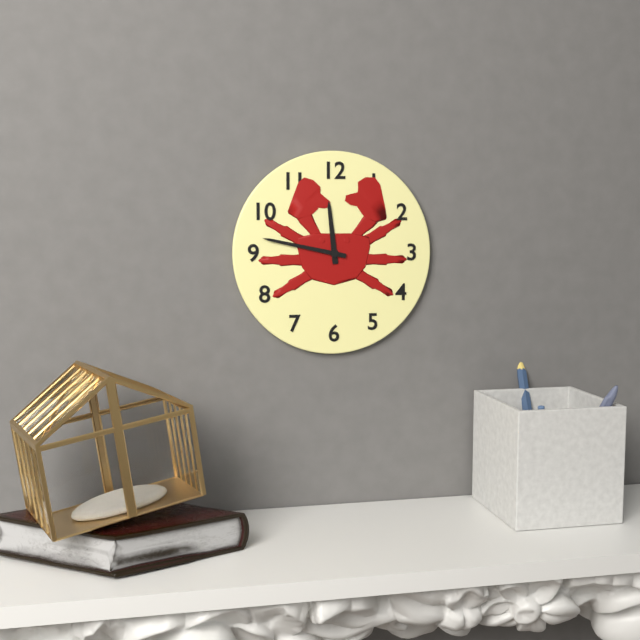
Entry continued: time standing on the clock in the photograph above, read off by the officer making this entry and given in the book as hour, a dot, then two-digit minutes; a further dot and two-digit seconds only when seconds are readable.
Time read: 11.47
